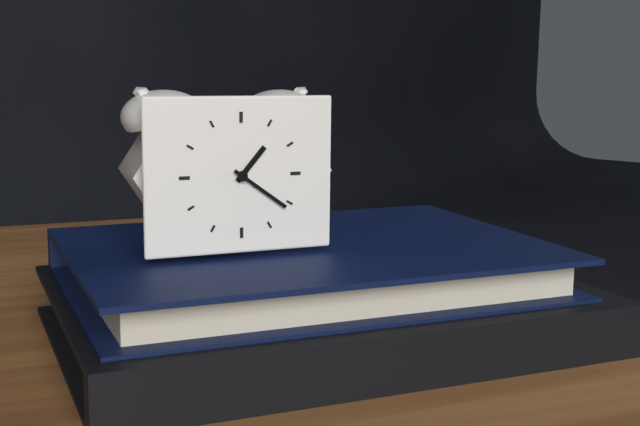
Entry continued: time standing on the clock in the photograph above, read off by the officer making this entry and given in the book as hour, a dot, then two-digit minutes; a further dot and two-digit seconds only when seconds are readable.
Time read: 1.21
